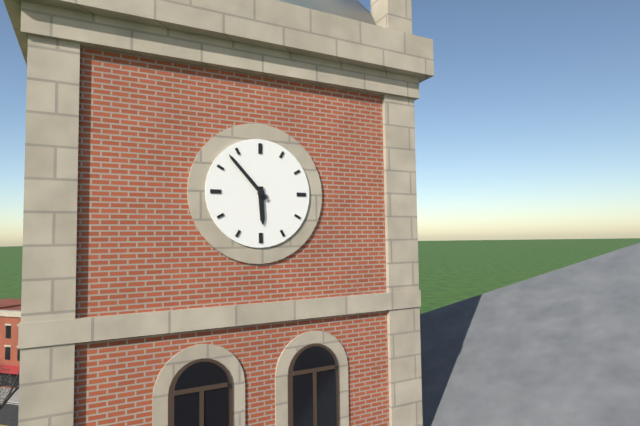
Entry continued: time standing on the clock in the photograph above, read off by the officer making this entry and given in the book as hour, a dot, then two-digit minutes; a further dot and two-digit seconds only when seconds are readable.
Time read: 5.53
